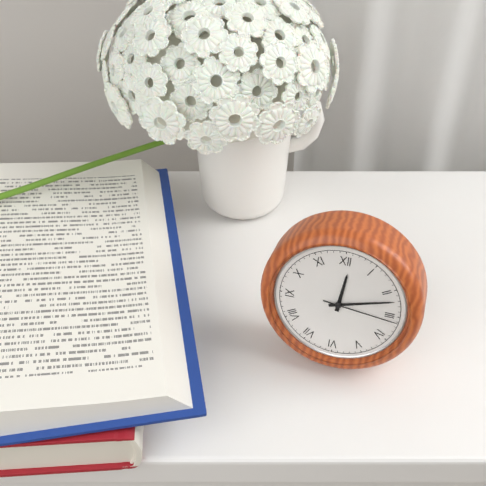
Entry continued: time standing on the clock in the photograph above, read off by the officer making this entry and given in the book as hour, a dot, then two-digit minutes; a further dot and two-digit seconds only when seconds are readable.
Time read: 12.12.16
